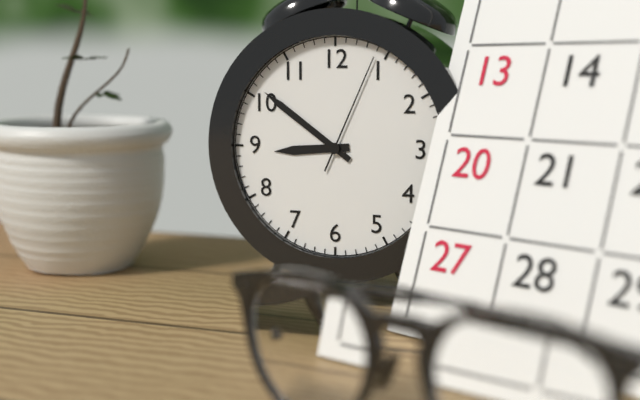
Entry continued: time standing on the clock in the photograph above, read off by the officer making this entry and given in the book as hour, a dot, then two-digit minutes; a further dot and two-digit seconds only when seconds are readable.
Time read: 8.51.04
